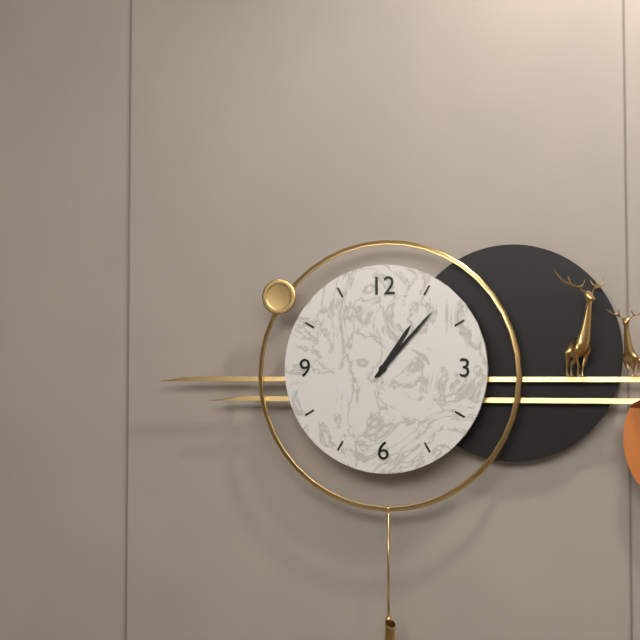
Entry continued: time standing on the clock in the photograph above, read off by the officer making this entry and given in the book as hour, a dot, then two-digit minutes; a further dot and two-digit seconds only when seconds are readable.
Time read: 1.07
